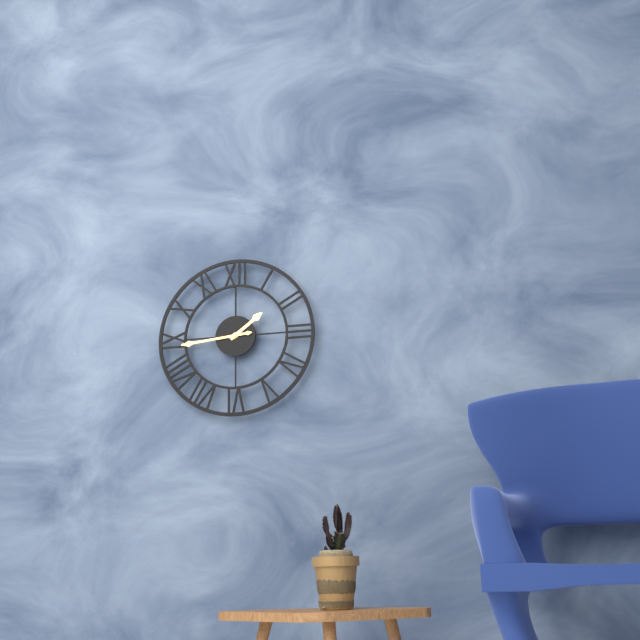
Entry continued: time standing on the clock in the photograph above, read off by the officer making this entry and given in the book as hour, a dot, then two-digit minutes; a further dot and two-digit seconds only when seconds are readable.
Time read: 1.44
